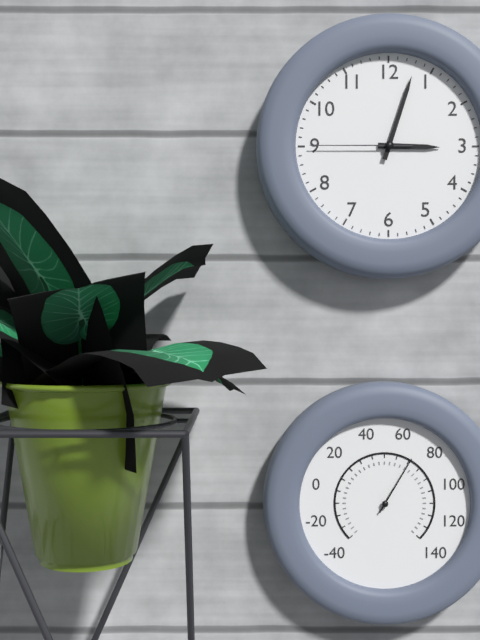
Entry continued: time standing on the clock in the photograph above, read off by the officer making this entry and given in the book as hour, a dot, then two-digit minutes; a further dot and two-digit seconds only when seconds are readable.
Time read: 3.03.45
